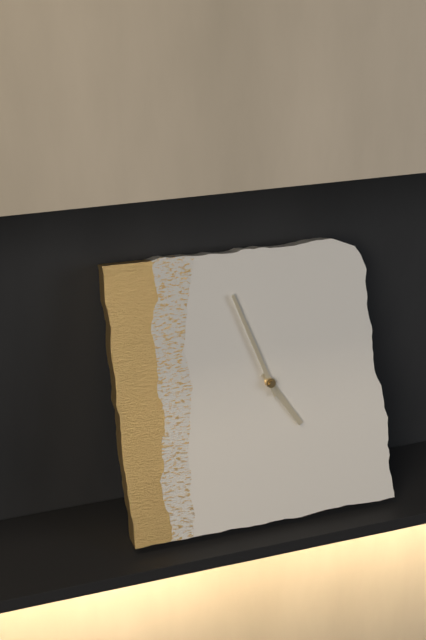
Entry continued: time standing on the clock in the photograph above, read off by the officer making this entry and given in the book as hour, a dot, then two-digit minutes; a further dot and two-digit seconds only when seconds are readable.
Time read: 4.57
